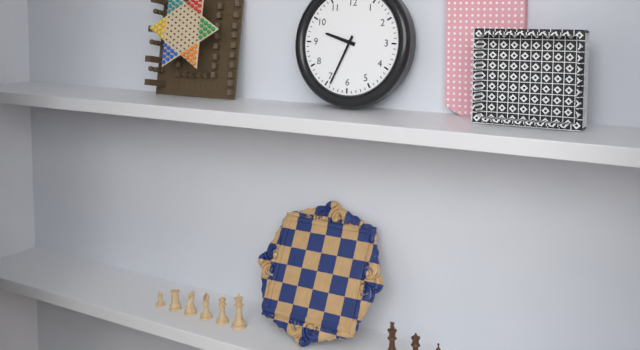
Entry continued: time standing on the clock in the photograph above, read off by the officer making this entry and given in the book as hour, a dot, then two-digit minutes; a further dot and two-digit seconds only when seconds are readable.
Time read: 9.34
